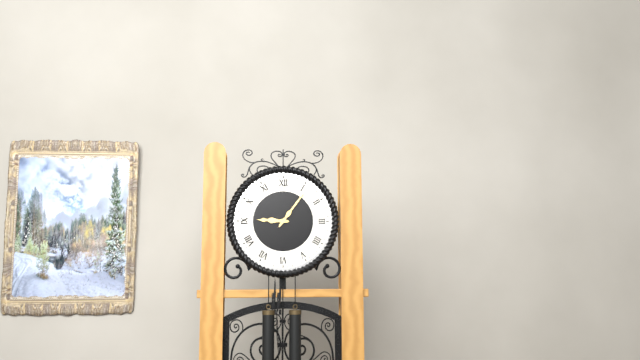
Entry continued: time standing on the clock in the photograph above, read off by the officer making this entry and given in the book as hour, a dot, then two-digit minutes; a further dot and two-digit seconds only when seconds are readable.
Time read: 9.06
